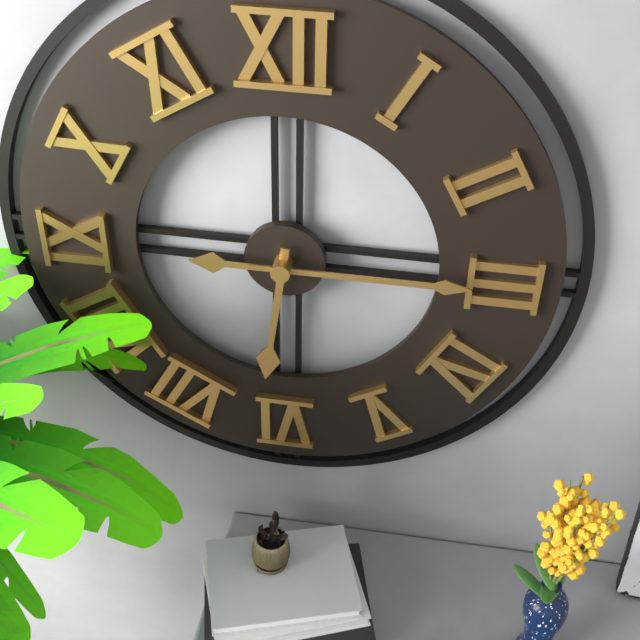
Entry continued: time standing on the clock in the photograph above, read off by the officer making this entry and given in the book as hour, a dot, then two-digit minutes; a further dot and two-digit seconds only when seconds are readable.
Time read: 6.15
